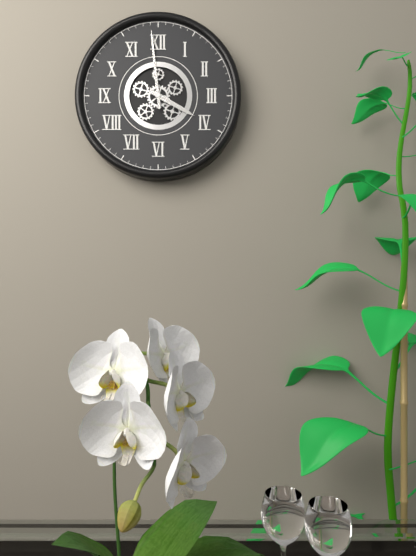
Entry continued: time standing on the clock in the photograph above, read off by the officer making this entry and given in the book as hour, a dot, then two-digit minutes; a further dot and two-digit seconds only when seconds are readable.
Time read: 3.59
